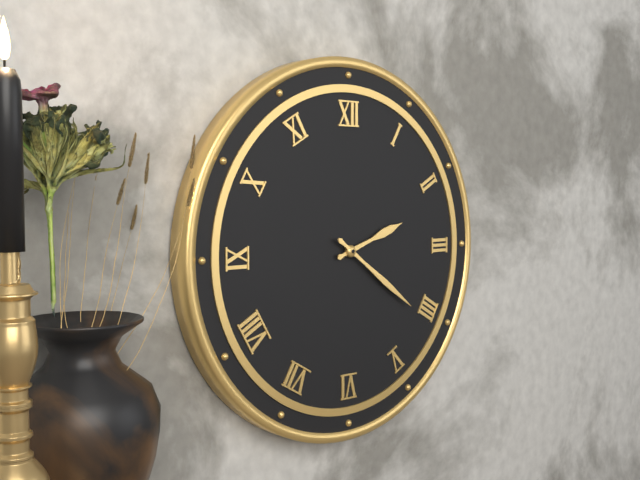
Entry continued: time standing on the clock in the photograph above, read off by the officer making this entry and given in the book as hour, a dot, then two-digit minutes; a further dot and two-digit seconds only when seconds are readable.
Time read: 2.21
